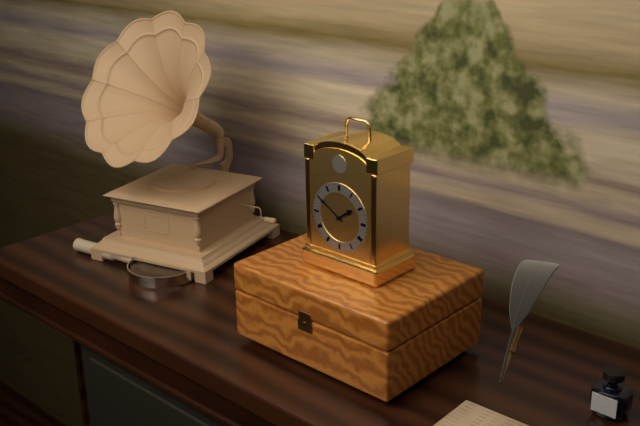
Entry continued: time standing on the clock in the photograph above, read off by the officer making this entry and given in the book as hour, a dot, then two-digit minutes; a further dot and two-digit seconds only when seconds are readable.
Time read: 1.50
